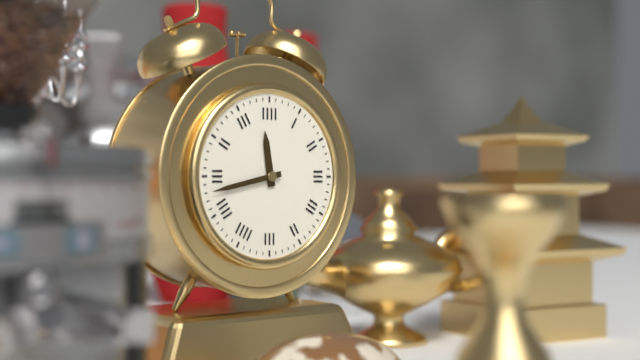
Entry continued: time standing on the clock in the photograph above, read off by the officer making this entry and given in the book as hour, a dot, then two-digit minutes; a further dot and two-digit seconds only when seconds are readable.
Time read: 11.43
